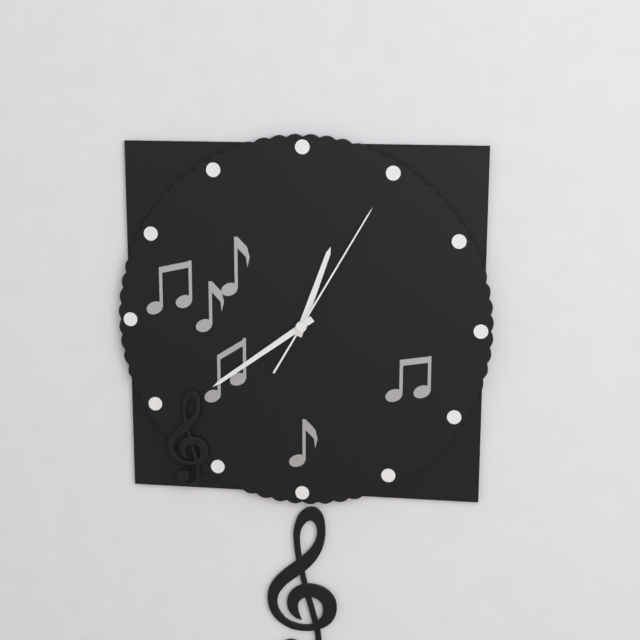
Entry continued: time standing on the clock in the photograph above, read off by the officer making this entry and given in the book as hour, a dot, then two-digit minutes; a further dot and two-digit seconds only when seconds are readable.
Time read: 12.39.05
